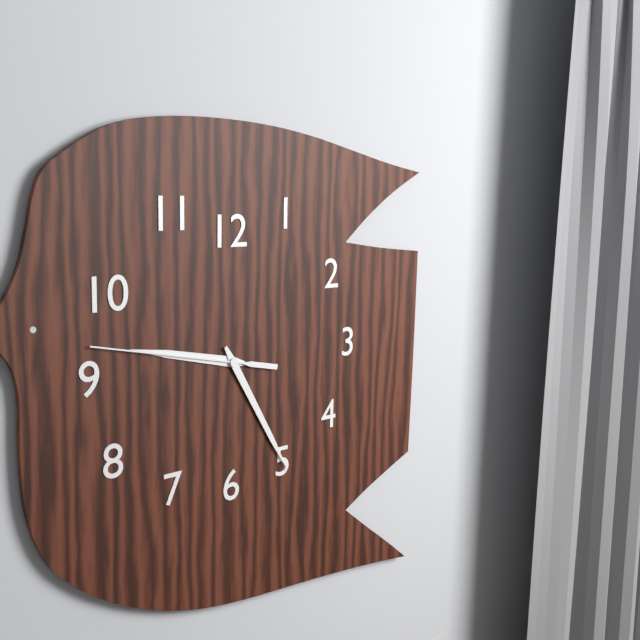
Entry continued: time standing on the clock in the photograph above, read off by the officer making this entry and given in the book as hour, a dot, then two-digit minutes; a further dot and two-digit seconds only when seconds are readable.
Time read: 9.25.47
